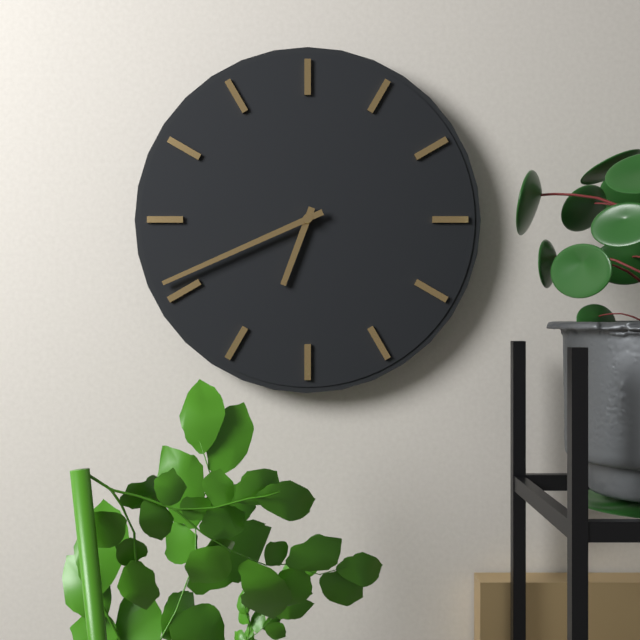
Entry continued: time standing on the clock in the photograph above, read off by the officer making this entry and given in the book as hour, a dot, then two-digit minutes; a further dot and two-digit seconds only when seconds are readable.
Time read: 6.41
